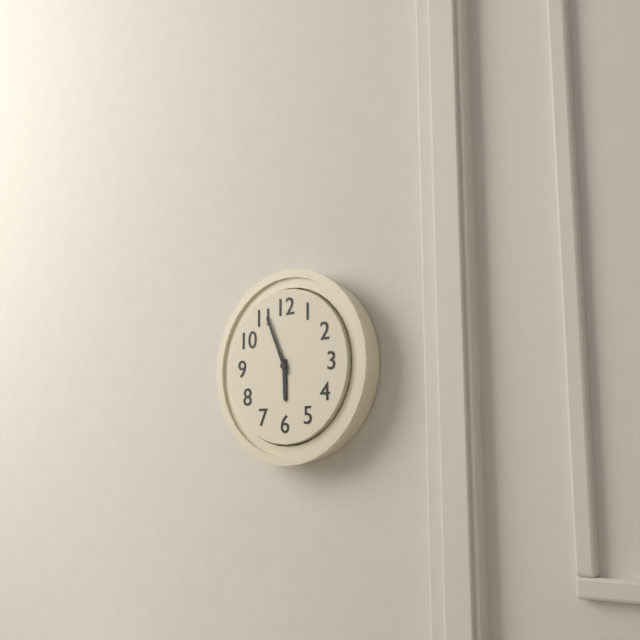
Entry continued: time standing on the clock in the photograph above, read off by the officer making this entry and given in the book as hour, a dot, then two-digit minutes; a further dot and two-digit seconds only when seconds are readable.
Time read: 5.56
